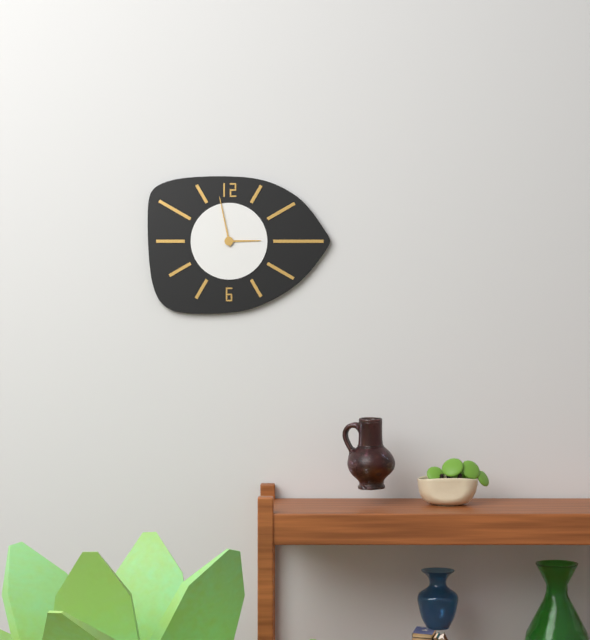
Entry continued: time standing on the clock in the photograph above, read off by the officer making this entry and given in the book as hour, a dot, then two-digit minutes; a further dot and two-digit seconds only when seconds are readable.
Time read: 2.58
